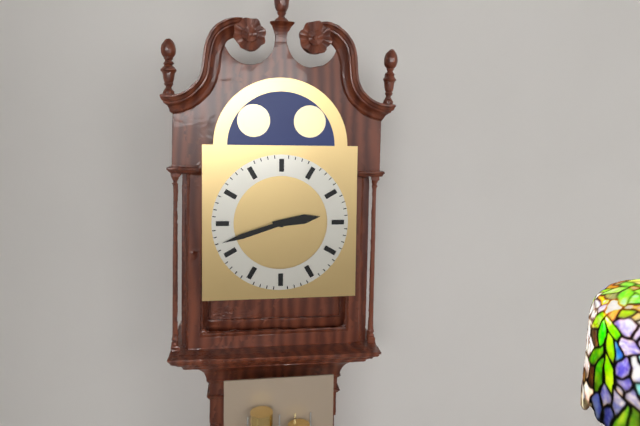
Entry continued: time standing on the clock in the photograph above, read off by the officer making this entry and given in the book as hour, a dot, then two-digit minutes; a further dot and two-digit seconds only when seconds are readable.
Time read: 2.42
